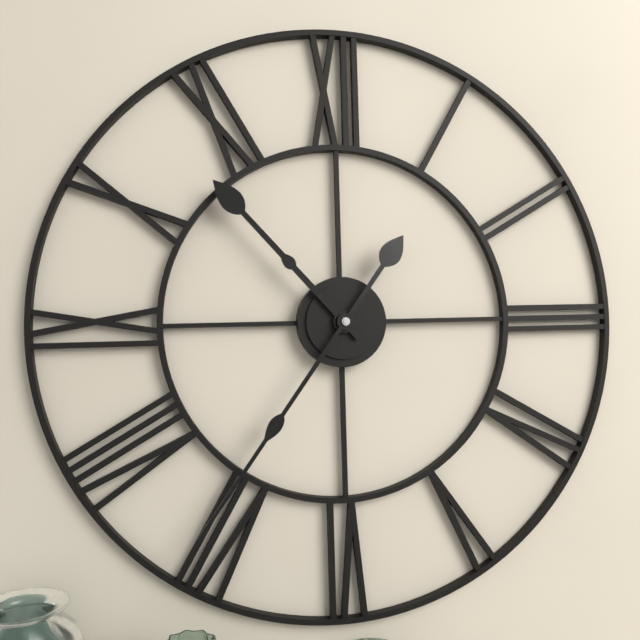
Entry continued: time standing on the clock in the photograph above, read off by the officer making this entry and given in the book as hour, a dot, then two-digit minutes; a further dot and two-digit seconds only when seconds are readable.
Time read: 10.36
